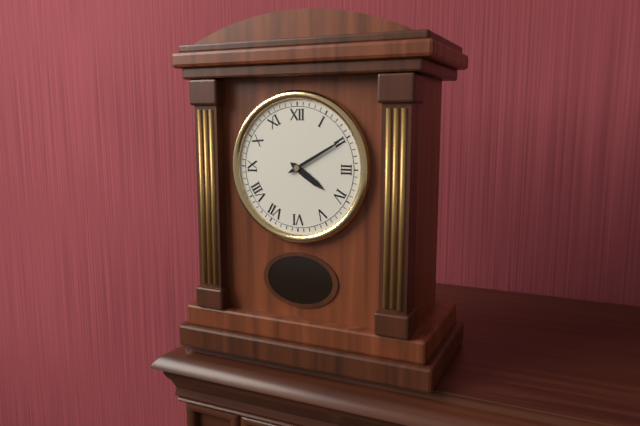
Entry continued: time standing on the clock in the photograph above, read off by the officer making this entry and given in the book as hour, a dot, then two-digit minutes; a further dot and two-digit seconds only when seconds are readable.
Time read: 4.10
